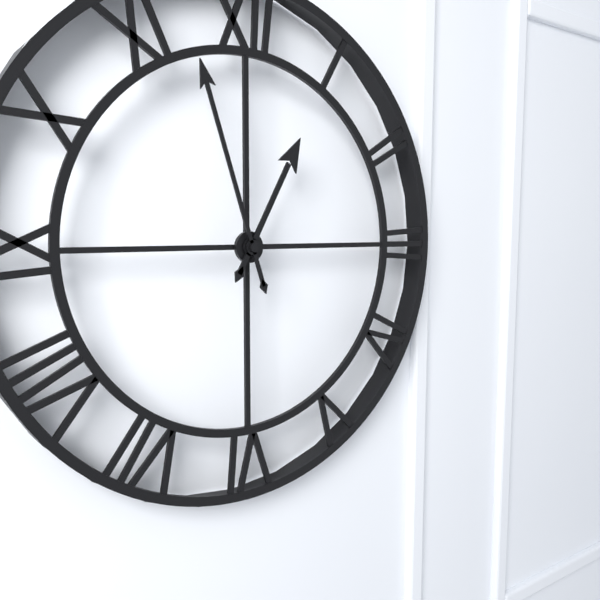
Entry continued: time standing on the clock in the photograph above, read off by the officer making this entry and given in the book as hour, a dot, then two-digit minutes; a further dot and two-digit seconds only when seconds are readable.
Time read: 12.57
